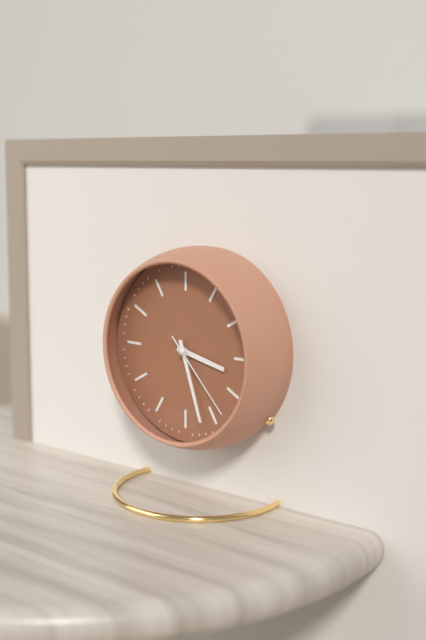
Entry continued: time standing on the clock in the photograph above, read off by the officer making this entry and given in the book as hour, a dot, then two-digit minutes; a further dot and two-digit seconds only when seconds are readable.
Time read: 3.27.23
